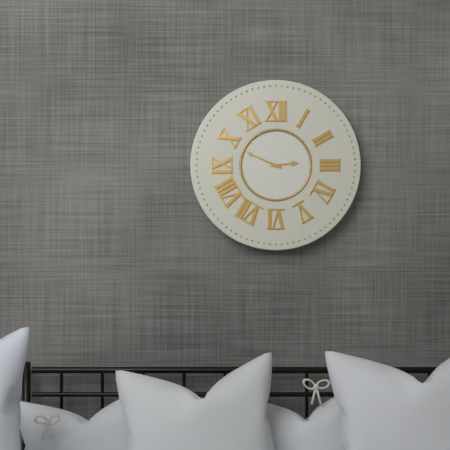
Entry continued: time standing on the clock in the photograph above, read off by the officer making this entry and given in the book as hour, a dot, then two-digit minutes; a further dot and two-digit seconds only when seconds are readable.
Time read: 2.49
